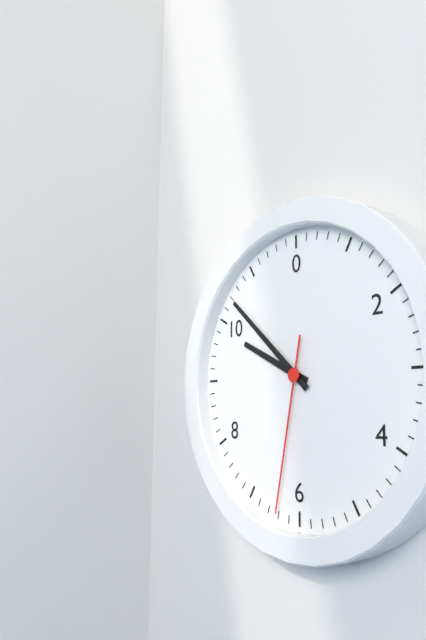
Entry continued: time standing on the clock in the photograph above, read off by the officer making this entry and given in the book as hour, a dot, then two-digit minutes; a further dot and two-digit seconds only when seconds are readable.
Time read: 9.52.32
